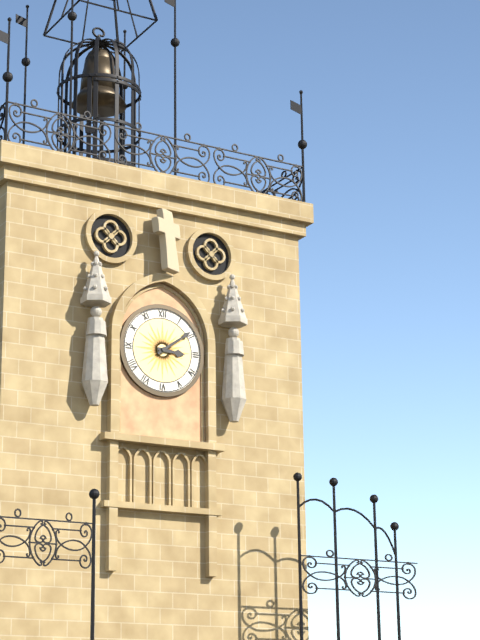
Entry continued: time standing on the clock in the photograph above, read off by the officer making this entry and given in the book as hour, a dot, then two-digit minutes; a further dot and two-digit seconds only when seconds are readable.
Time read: 3.09
